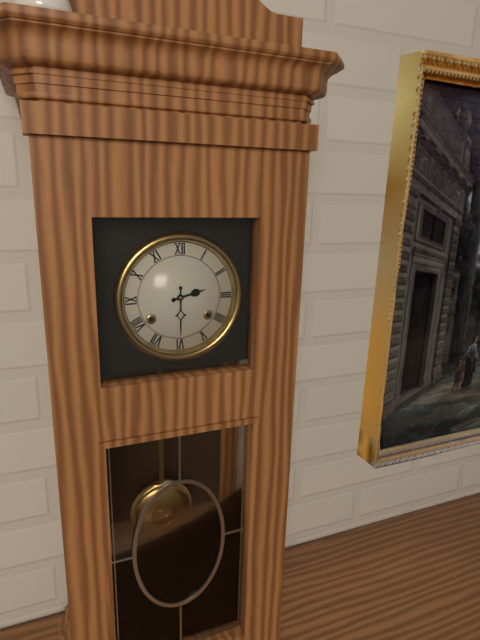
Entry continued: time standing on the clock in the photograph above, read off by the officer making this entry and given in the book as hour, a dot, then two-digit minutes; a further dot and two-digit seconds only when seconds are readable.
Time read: 2.30
